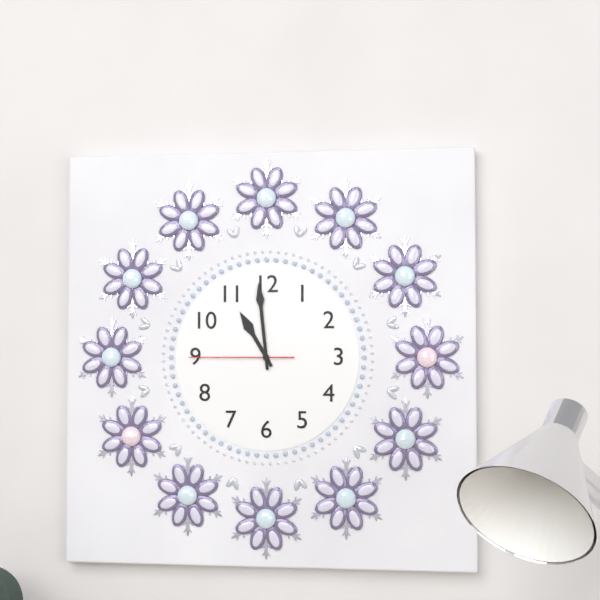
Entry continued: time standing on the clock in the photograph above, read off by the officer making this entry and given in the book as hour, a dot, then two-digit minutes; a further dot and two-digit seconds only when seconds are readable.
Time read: 10.59.45
